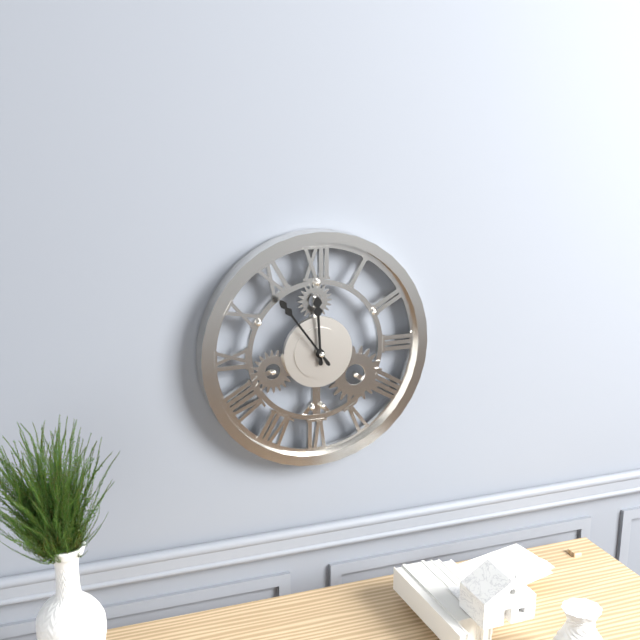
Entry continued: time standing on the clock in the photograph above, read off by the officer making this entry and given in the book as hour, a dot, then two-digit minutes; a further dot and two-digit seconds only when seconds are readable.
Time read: 11.54
